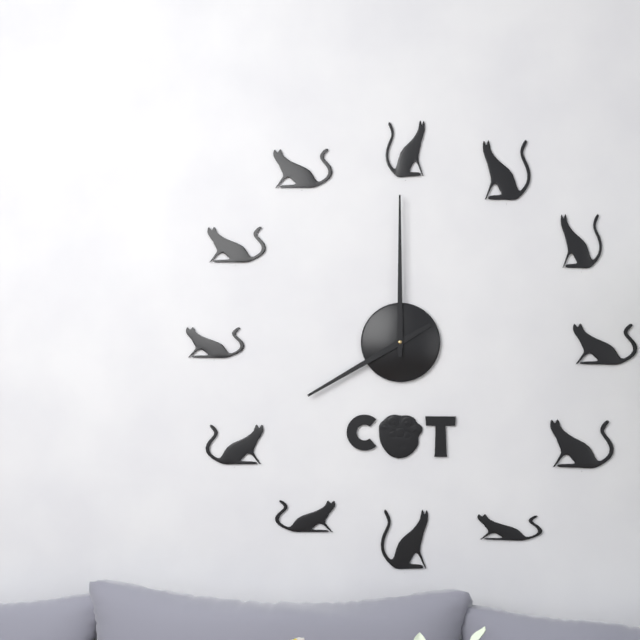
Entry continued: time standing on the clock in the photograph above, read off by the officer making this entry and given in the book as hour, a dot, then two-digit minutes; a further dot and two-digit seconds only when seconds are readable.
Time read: 8.00
